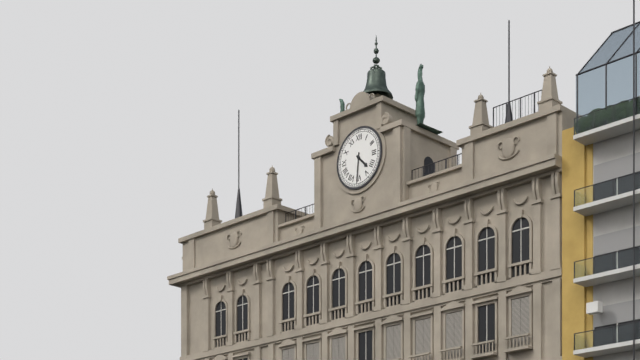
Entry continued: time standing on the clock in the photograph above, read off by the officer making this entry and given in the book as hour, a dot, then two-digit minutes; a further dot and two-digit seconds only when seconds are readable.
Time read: 4.31
